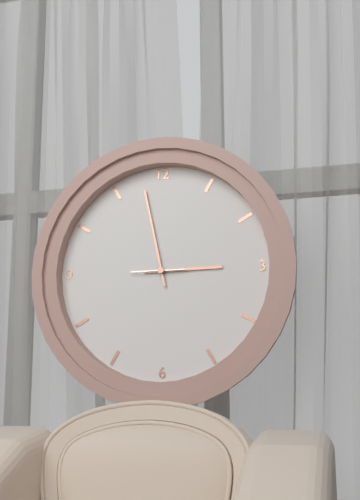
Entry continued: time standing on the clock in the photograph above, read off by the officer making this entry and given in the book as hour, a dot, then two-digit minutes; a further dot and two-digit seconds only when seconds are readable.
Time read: 2.58
